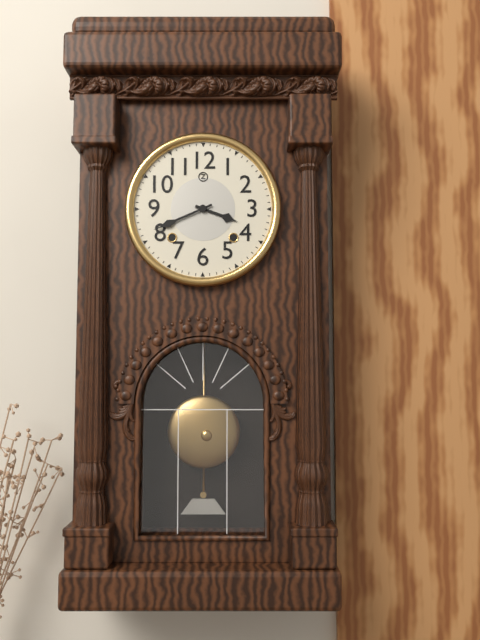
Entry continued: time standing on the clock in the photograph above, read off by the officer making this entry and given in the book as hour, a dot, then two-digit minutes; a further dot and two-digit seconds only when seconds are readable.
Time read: 3.41
